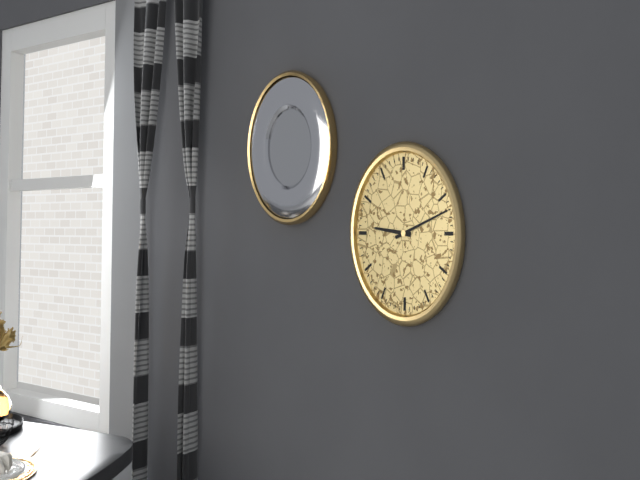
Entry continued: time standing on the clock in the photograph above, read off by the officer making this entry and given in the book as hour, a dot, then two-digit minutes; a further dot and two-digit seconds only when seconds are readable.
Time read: 9.12
